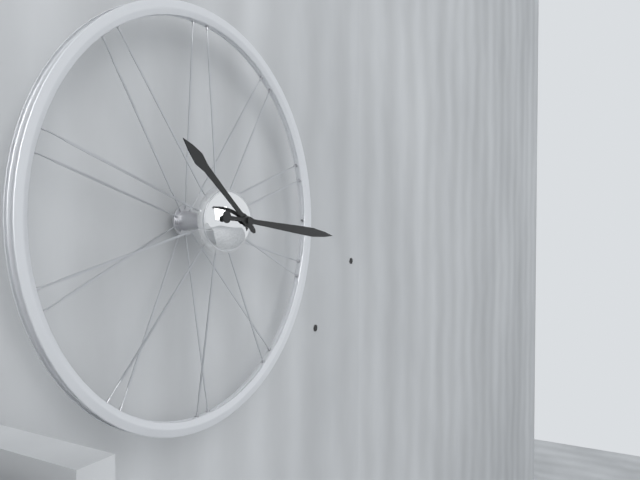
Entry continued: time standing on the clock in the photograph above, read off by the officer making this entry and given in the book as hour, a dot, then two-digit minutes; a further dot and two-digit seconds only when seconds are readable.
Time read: 10.16
